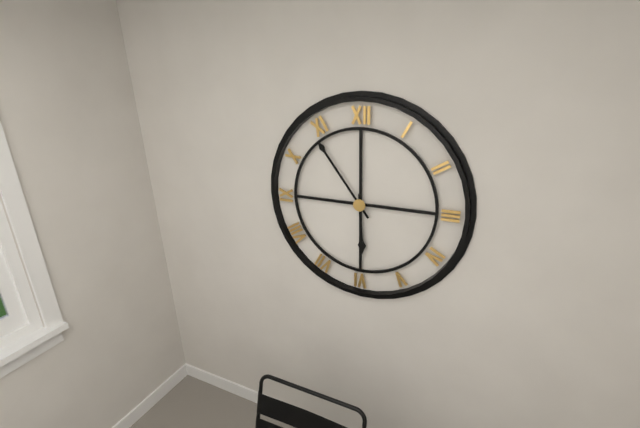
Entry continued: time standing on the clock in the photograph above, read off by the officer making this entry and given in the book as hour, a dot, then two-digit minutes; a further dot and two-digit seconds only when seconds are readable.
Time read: 5.54
